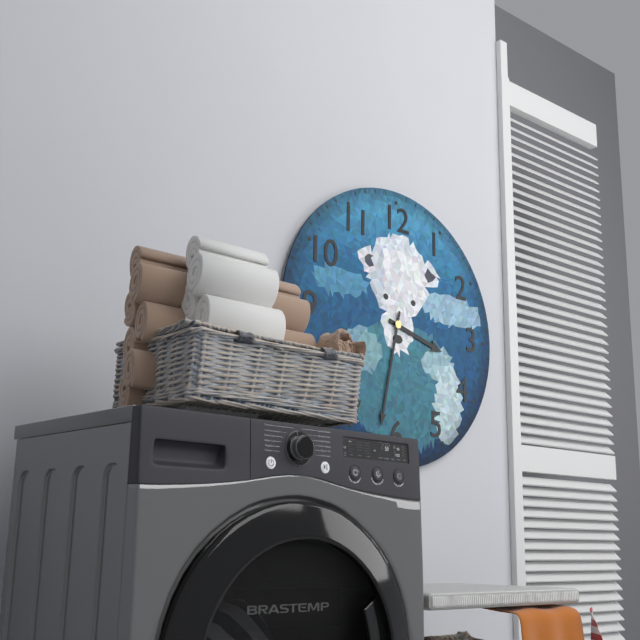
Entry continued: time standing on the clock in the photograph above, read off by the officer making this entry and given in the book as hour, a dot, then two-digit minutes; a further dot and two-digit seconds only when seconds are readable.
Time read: 3.32
